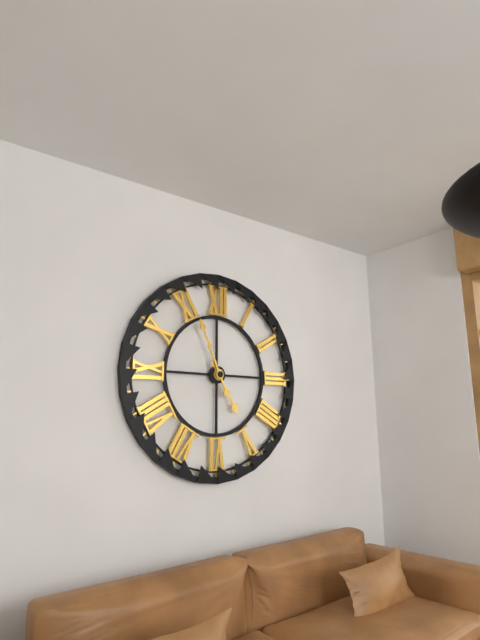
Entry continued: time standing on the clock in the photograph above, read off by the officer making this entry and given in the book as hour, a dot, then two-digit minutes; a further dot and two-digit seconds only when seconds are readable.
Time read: 4.56
